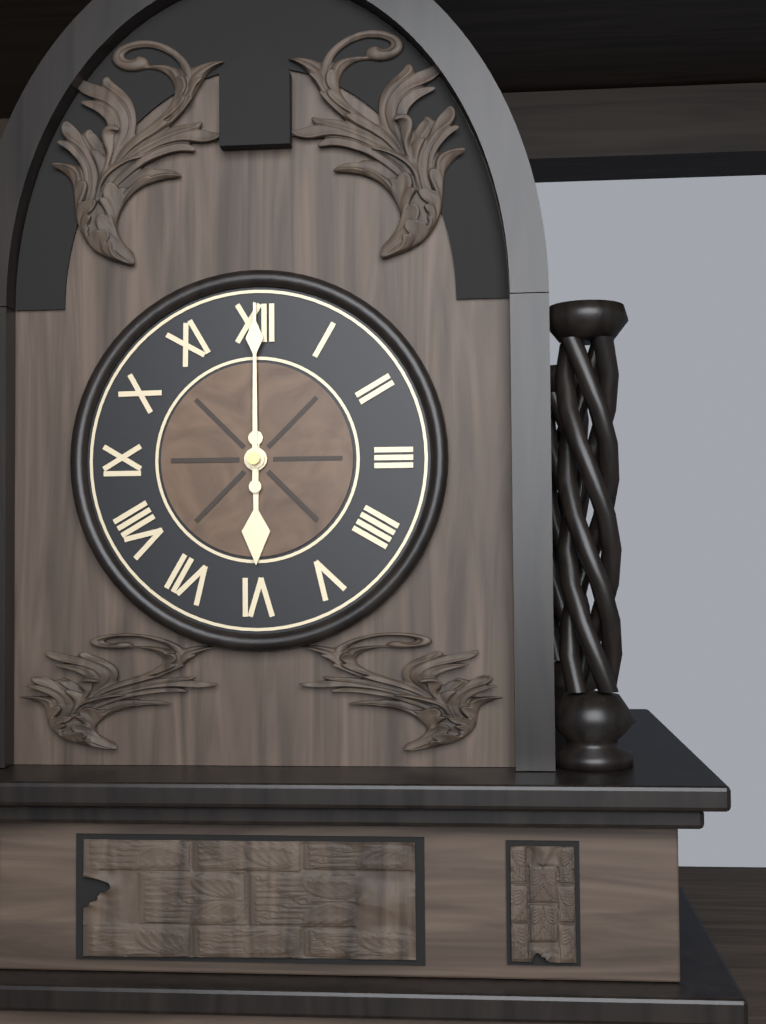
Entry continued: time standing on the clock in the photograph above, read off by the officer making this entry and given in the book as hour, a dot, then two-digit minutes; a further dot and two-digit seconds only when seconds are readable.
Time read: 6.00
